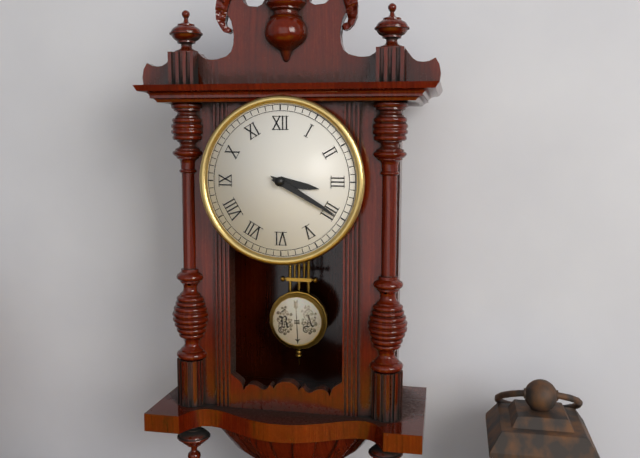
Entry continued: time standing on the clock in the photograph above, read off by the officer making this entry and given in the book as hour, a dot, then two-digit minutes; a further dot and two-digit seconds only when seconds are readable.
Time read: 3.20
